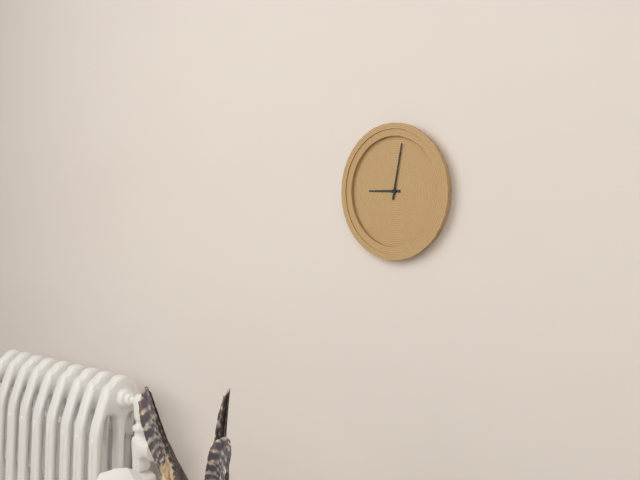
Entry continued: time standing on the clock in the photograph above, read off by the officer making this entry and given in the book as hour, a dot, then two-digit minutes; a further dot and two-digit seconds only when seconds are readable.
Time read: 9.02
